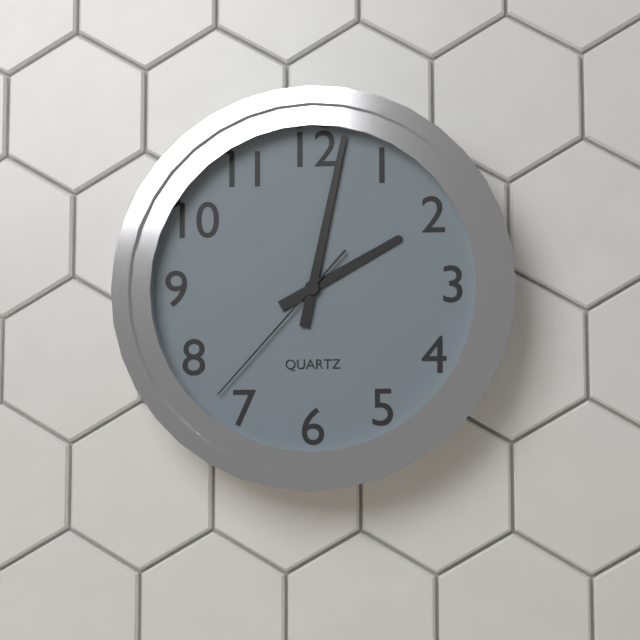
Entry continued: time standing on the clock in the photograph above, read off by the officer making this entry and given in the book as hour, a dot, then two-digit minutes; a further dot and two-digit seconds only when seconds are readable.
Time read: 2.02.37
